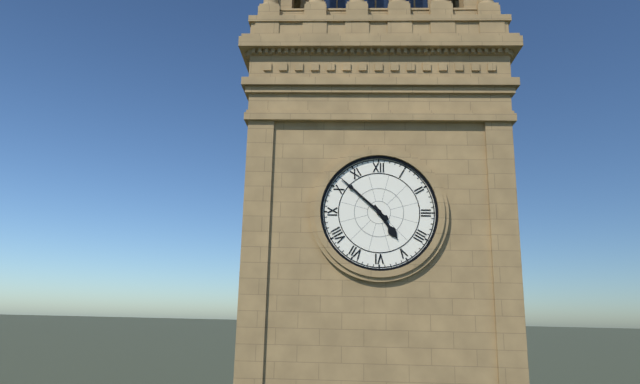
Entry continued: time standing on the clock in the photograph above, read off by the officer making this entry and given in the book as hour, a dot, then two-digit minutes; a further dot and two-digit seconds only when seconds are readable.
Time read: 4.52
